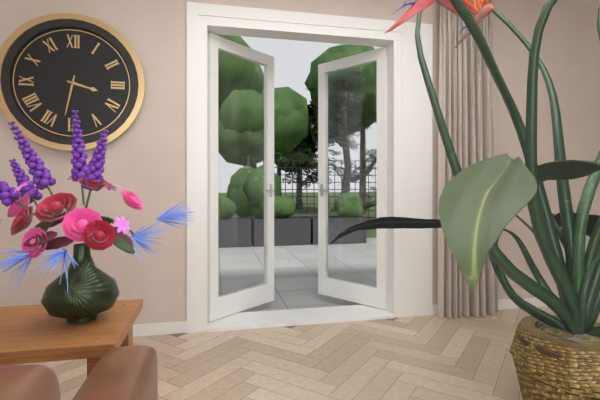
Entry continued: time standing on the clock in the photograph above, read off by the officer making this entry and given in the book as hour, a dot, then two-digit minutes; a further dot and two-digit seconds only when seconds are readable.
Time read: 3.32
